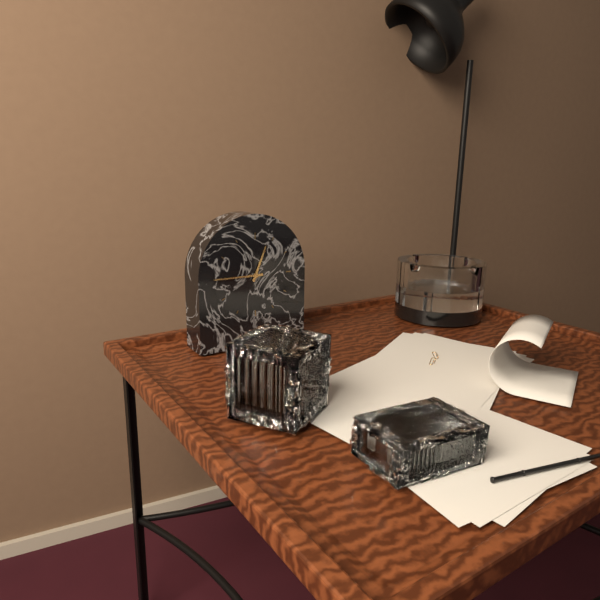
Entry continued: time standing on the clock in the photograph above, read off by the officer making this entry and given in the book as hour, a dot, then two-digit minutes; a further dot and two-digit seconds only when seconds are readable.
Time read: 12.45
